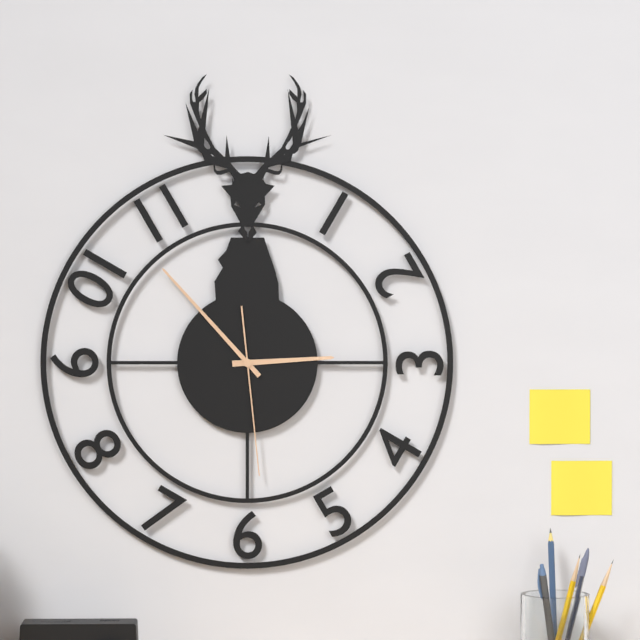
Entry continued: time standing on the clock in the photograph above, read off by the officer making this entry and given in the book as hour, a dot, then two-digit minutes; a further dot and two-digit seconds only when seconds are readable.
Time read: 2.53.29
